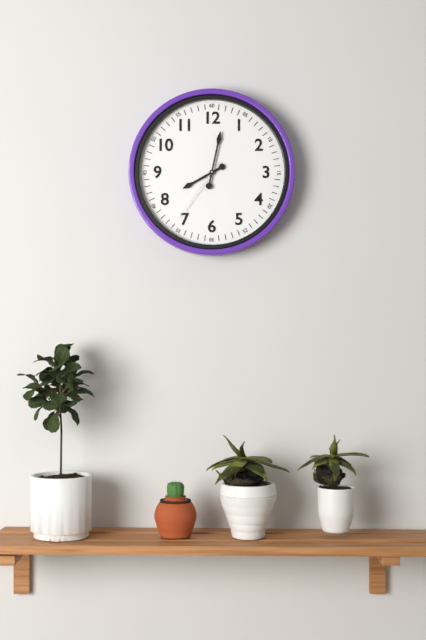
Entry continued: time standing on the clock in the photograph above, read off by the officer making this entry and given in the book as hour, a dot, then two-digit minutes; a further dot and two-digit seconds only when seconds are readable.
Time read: 8.02.36
